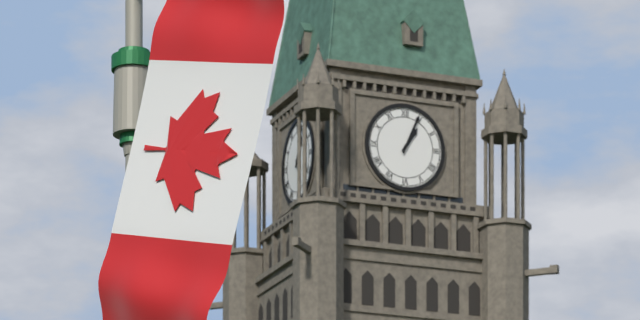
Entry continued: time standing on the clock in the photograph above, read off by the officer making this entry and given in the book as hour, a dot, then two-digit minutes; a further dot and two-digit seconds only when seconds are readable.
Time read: 1.04
